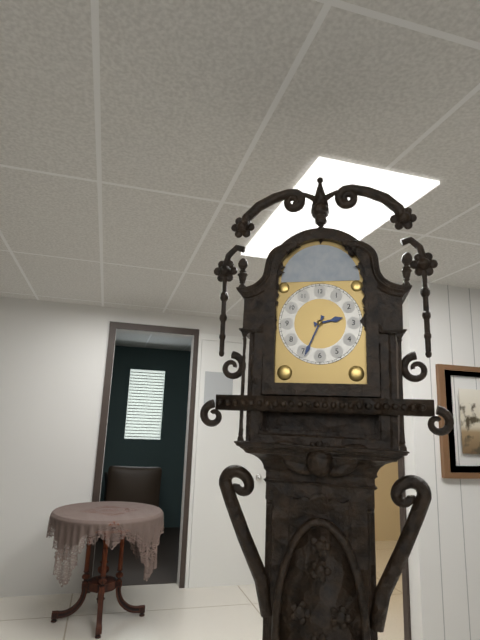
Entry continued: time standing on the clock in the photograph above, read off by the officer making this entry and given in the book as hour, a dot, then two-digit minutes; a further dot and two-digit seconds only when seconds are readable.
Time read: 2.34
